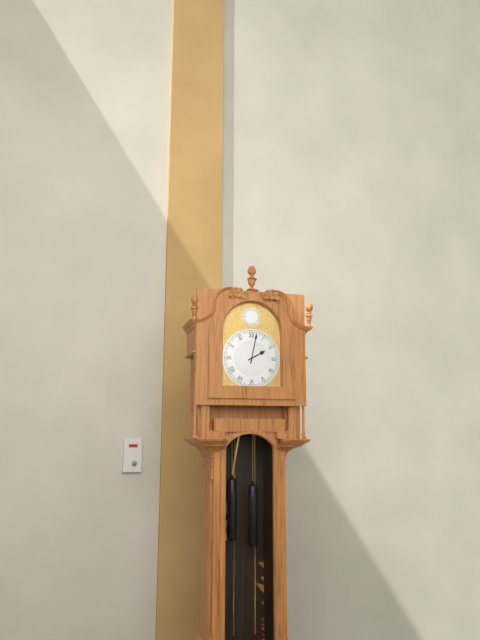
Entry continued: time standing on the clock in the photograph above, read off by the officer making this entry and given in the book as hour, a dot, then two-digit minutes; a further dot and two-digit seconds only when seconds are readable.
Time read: 2.02
